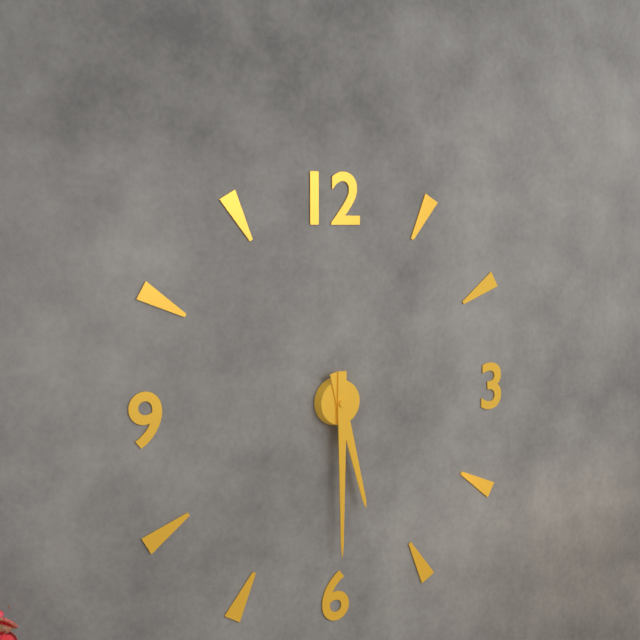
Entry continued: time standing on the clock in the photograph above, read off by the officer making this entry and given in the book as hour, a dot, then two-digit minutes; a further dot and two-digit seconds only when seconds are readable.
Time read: 5.30
